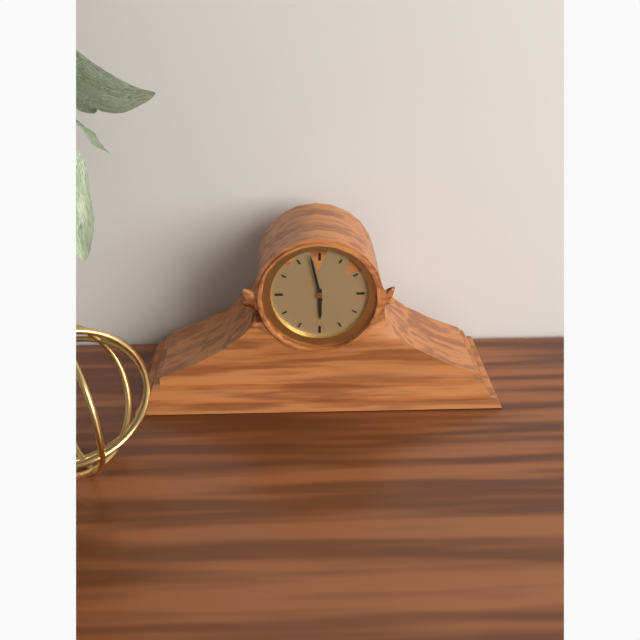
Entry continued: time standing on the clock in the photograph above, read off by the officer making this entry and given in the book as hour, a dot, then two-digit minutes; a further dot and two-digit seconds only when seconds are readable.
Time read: 5.58
